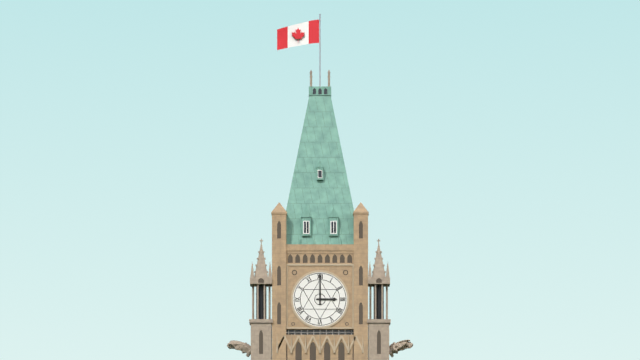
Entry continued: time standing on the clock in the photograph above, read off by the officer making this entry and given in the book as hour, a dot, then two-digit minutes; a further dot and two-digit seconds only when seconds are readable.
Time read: 3.00
